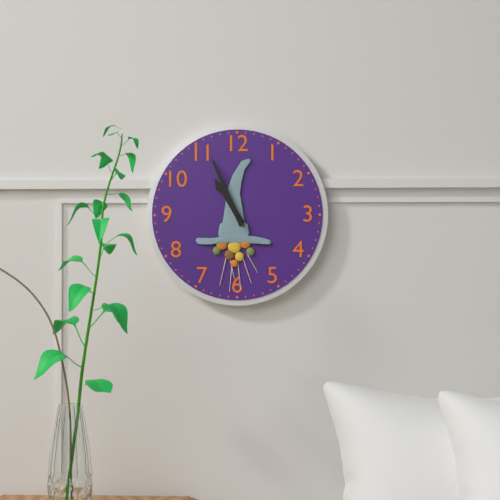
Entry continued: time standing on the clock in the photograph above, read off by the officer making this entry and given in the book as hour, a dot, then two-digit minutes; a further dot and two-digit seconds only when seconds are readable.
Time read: 10.56
